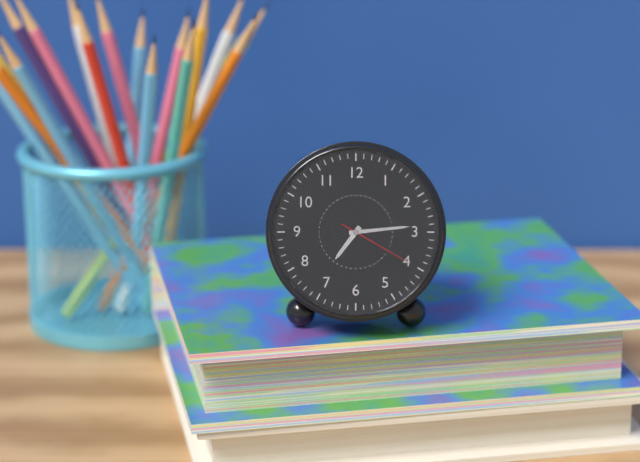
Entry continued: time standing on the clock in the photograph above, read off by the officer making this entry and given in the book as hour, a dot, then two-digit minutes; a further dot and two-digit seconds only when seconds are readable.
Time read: 7.14.20
